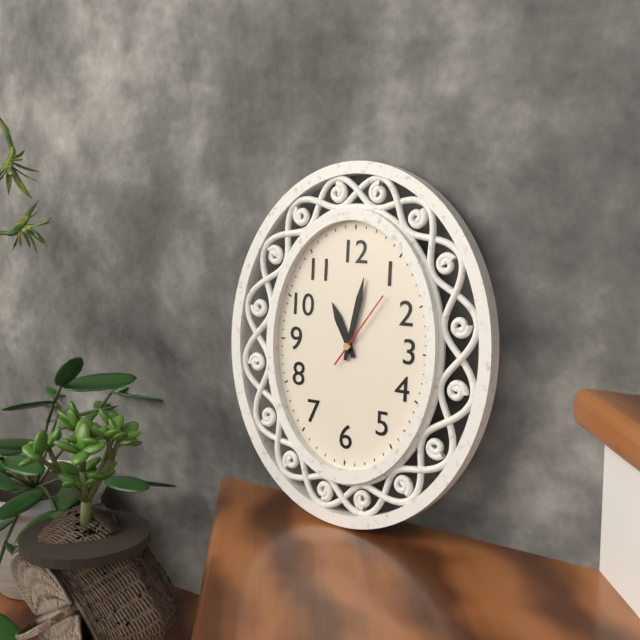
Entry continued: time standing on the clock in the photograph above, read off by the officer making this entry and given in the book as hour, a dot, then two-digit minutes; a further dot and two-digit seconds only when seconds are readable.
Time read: 11.02.06
